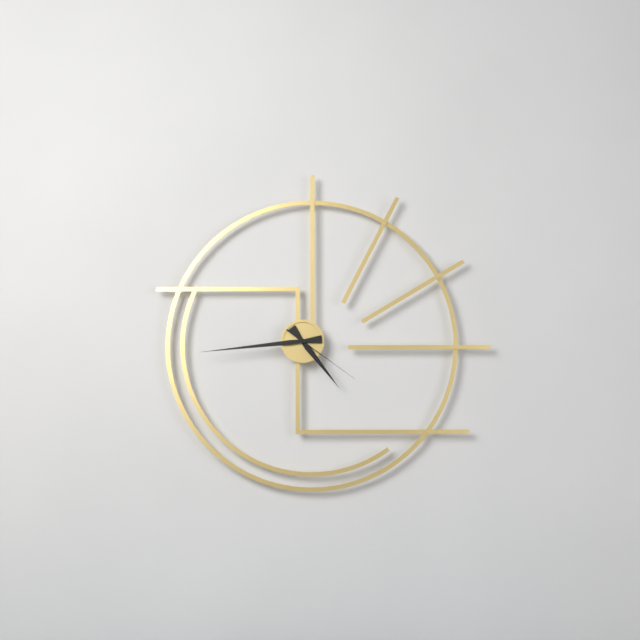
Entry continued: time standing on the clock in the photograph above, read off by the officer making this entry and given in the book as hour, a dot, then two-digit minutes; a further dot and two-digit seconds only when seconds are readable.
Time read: 4.44.21
